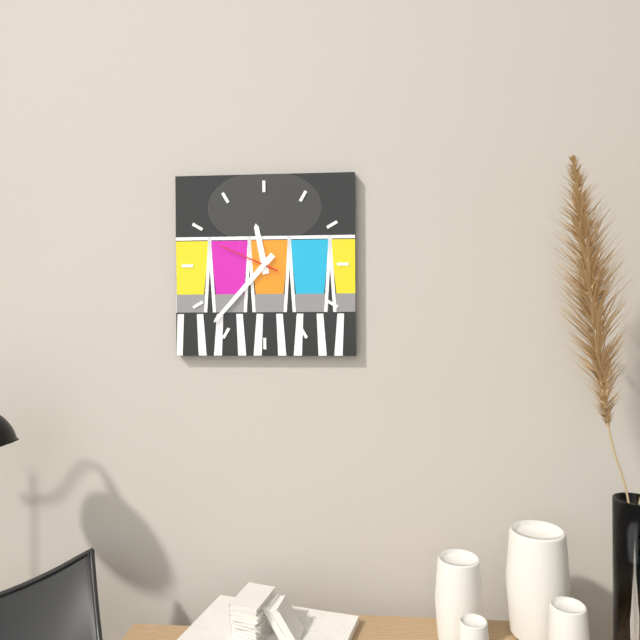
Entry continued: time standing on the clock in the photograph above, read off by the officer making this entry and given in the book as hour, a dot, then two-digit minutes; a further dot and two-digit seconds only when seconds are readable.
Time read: 11.37.49
